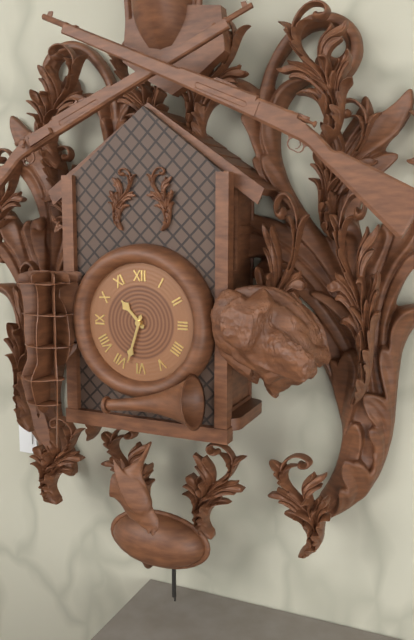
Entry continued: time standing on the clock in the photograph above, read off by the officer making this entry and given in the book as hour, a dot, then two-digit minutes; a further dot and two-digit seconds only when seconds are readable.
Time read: 10.33
